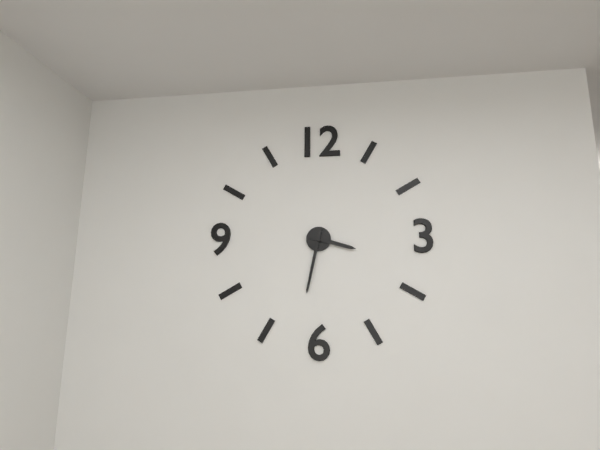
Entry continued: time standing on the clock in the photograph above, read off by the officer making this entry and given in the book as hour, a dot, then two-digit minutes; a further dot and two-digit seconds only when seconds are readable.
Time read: 3.32
